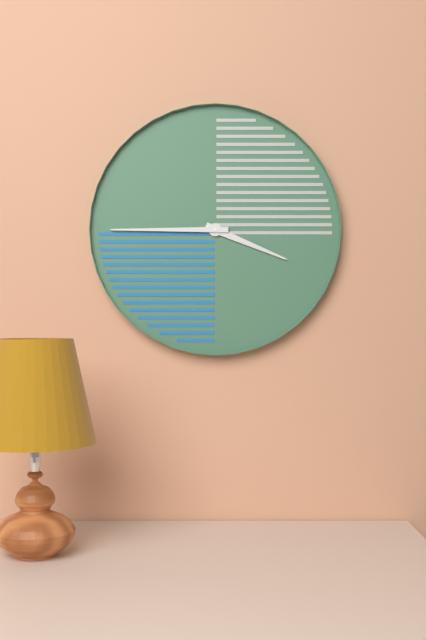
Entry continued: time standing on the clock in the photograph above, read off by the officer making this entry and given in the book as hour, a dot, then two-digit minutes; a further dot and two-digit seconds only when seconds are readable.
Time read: 3.45
